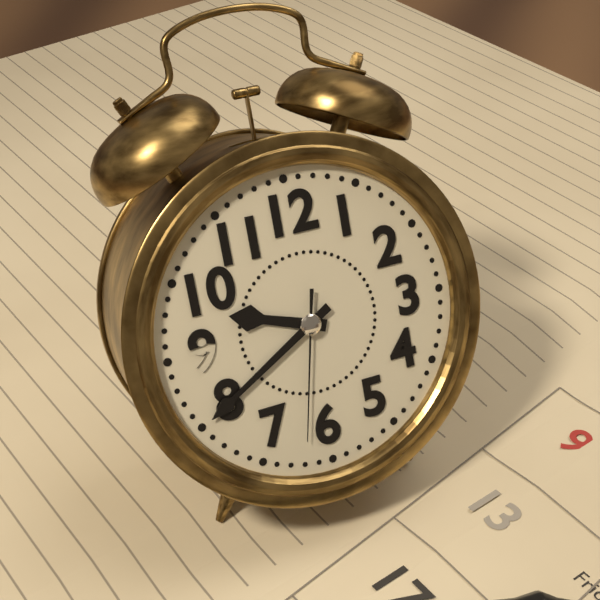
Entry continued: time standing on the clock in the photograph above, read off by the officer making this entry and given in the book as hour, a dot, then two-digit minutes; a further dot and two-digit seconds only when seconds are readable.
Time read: 9.40.32
